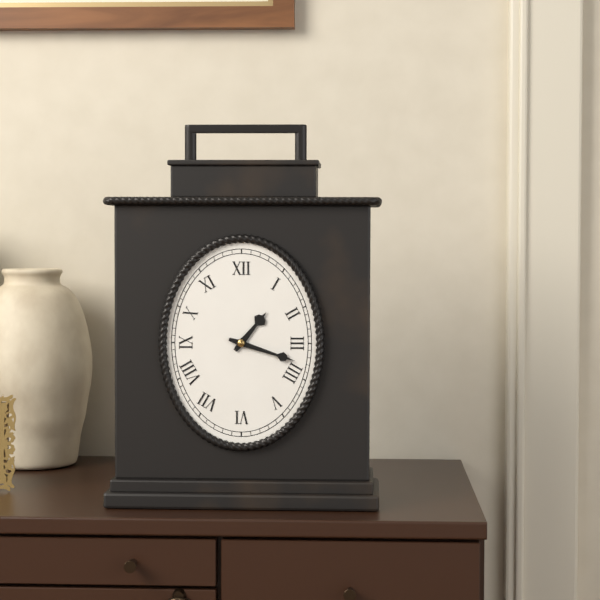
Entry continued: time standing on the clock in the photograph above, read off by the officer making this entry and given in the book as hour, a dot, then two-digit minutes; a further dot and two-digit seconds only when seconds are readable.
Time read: 1.18
